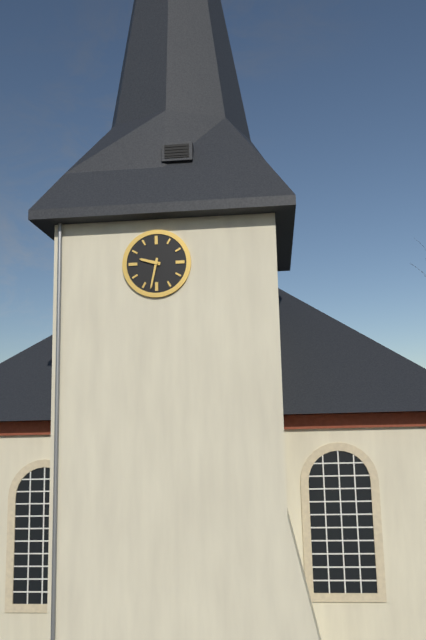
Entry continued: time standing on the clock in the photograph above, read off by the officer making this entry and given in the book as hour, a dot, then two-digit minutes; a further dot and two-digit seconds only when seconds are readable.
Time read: 9.32
